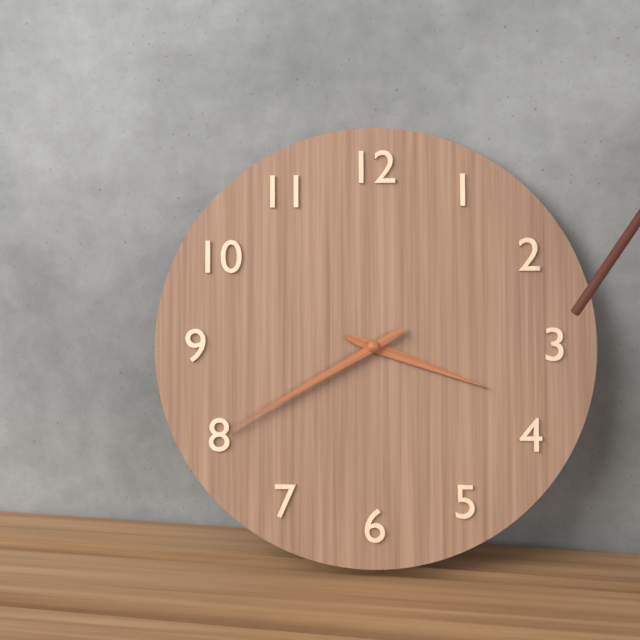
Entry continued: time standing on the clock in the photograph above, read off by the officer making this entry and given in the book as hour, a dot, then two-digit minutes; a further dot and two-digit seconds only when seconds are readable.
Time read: 3.40
